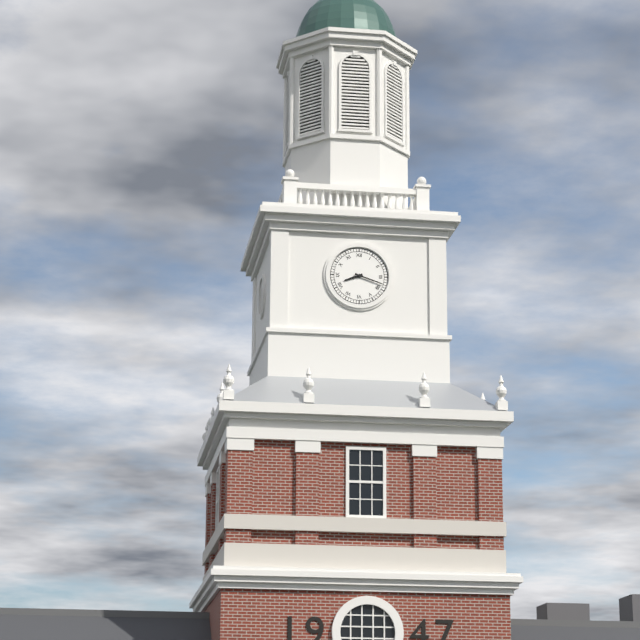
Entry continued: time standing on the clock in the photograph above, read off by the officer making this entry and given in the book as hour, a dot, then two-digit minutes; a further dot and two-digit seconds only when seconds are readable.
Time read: 8.18
